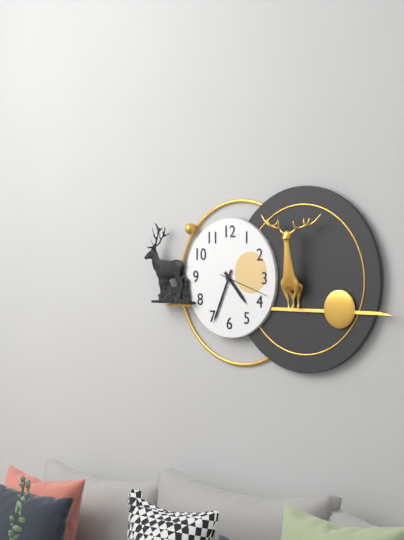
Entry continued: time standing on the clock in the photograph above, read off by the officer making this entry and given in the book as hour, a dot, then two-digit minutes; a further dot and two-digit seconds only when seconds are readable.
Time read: 4.34.18
